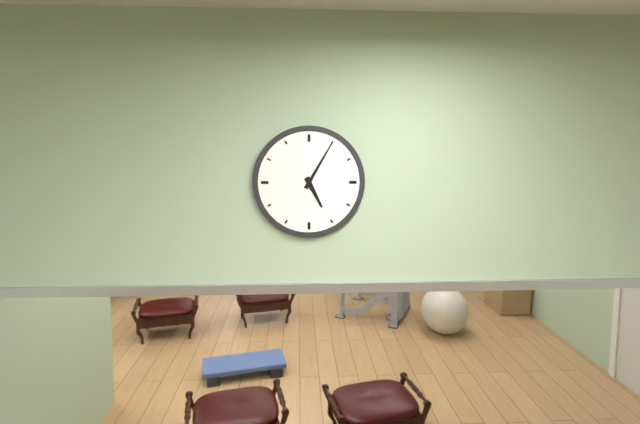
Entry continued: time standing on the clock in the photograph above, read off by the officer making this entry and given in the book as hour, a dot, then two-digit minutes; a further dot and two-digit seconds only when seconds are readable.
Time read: 5.05
